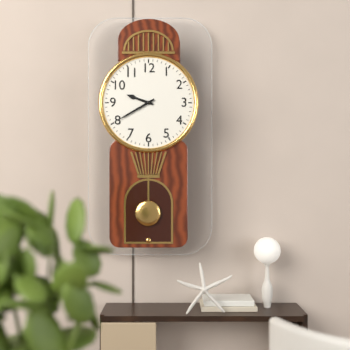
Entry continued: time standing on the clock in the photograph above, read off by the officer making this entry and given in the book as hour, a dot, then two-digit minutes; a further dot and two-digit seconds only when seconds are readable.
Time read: 9.40
